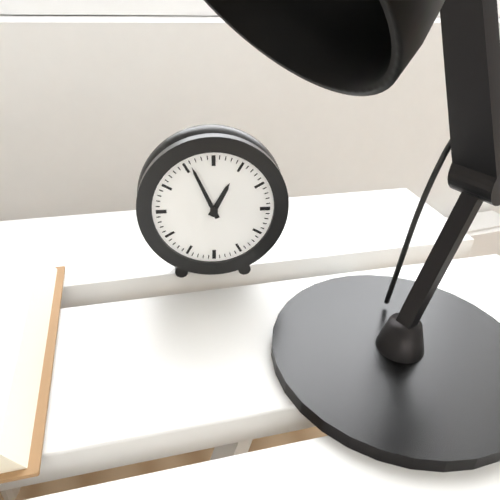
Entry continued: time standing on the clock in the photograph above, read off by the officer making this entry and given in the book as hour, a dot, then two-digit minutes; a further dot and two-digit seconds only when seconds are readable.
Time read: 12.56
